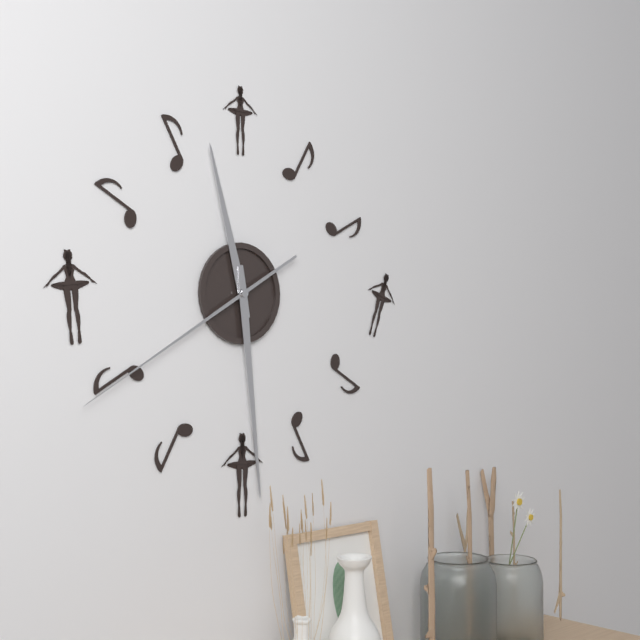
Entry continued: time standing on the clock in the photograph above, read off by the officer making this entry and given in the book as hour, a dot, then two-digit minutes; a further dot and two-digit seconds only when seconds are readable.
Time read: 11.29.40
